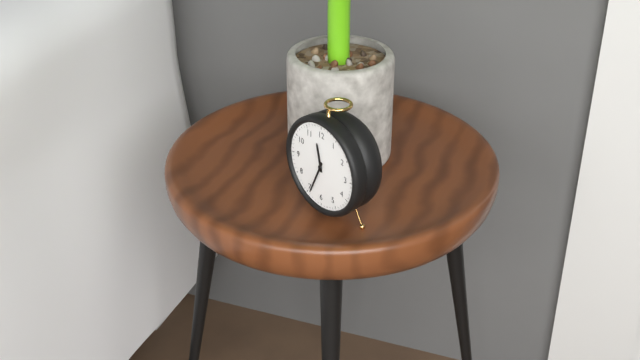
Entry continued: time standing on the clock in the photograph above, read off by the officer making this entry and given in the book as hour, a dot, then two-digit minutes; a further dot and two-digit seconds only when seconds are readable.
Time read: 11.34
